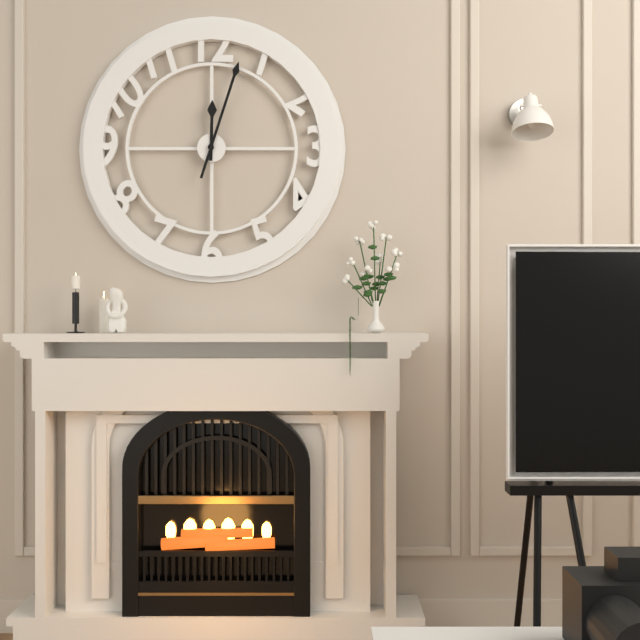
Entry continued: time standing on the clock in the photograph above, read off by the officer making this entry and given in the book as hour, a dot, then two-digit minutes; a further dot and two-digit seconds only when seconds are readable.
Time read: 12.03
